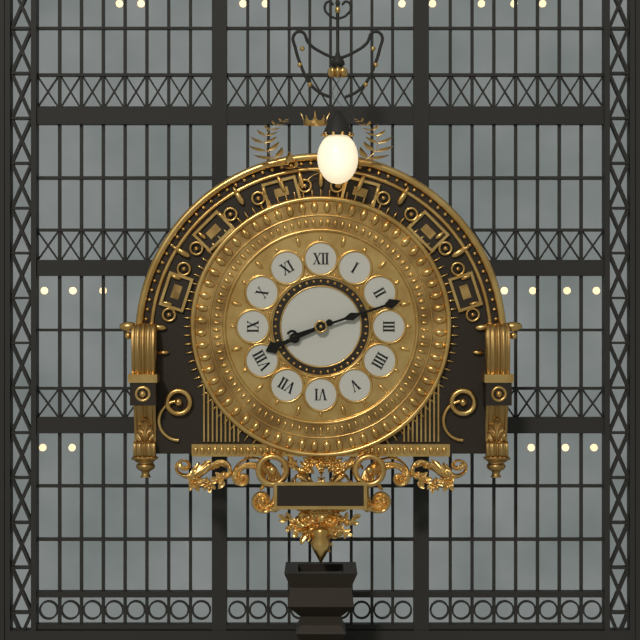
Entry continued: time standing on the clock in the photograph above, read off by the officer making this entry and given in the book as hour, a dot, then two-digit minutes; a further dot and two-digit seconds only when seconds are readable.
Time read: 8.12
